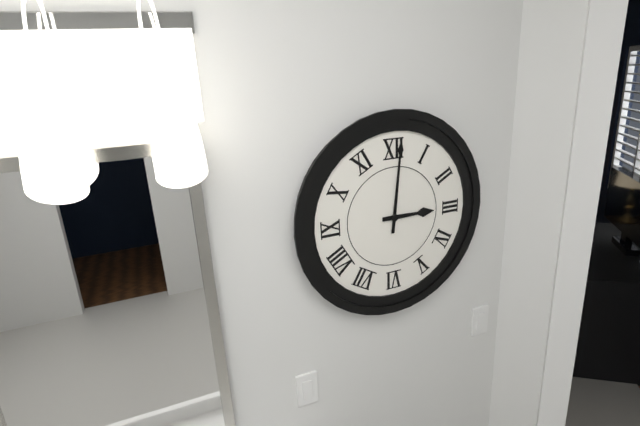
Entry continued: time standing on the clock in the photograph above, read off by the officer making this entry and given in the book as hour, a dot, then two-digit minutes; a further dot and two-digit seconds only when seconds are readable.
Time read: 3.01
